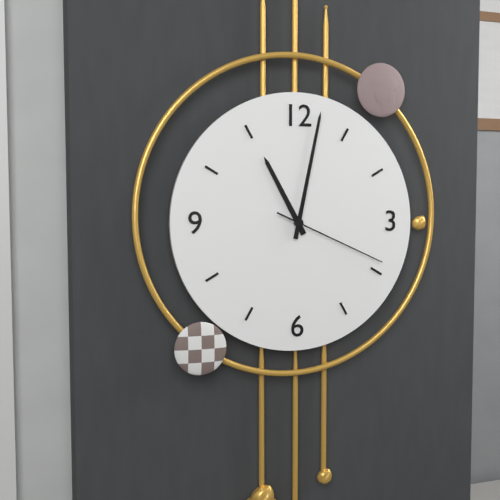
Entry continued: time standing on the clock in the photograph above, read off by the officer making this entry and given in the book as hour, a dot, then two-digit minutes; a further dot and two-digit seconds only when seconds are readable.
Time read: 11.02.19
